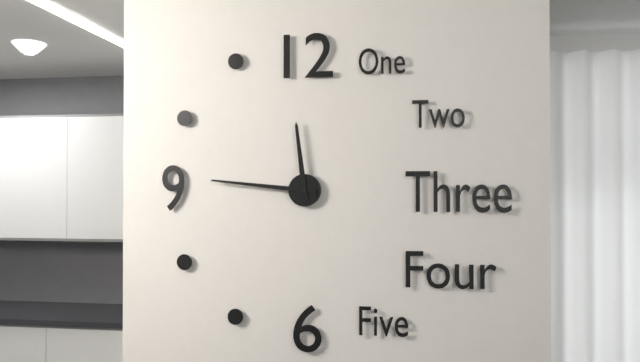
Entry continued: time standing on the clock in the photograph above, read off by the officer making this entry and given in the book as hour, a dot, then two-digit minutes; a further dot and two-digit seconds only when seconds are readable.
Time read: 11.46
